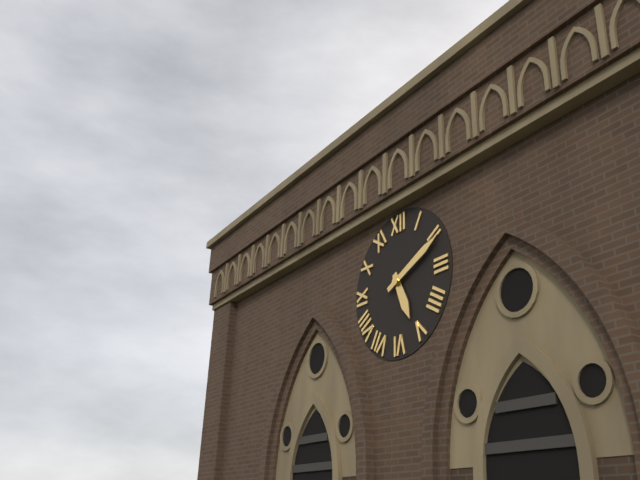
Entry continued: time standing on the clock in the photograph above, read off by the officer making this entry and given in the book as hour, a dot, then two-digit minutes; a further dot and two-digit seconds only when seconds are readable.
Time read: 5.11
